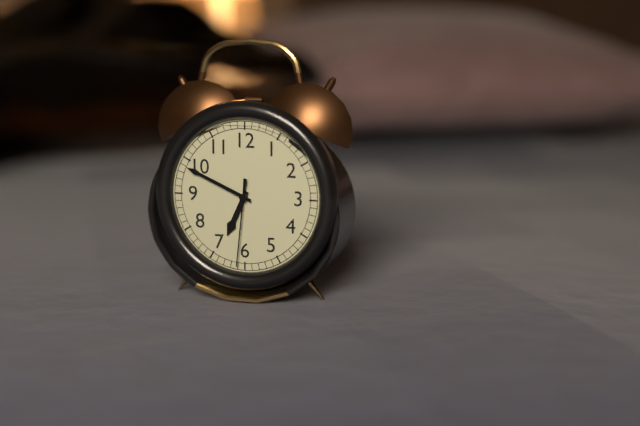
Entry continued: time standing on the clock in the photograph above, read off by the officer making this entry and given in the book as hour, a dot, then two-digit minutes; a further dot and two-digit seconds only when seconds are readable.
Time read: 6.49.31
